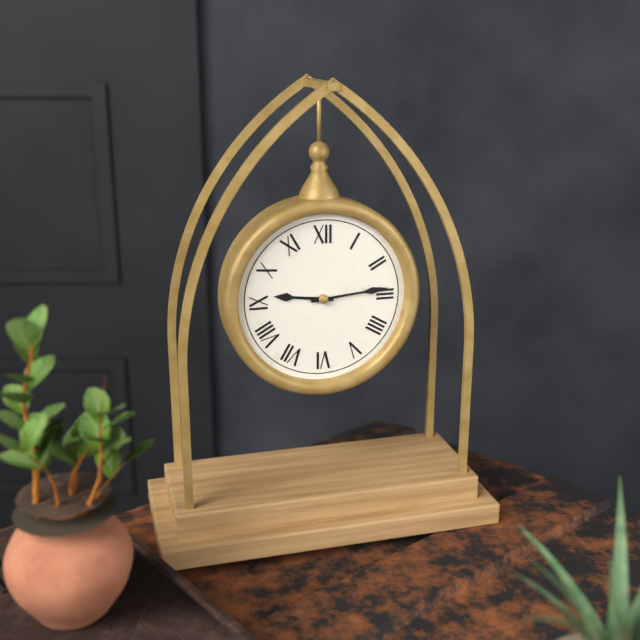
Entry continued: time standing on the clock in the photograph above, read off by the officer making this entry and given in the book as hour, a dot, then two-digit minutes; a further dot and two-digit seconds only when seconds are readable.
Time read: 9.14
